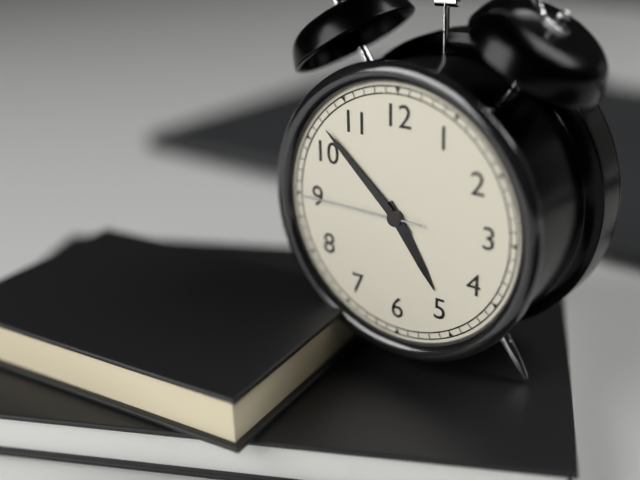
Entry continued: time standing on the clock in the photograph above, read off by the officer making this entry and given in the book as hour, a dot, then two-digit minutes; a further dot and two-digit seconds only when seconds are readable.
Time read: 4.52.45
